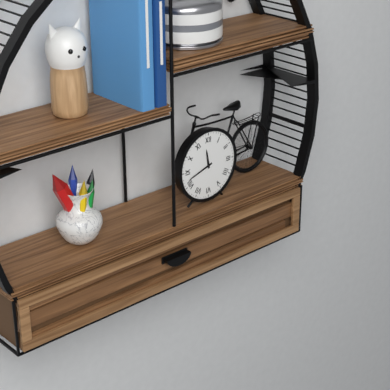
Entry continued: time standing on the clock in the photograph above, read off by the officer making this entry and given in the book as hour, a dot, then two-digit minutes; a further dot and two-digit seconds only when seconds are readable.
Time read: 11.42
